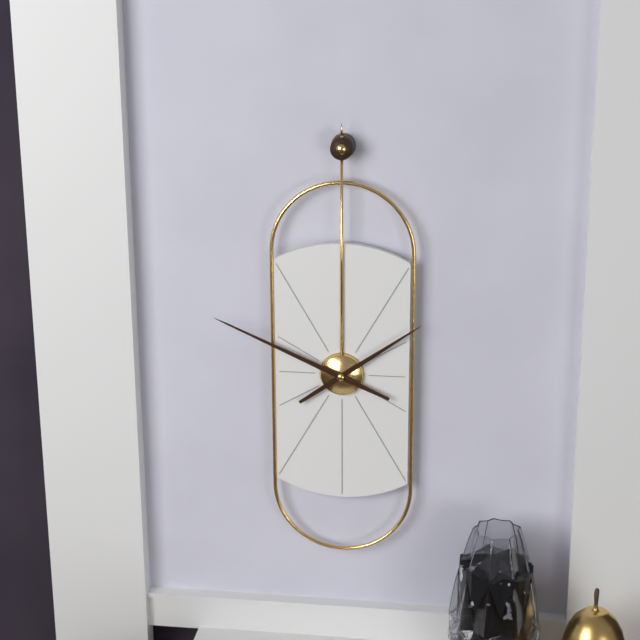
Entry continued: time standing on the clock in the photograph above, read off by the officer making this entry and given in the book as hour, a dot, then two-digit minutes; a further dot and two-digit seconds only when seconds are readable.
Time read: 1.49
